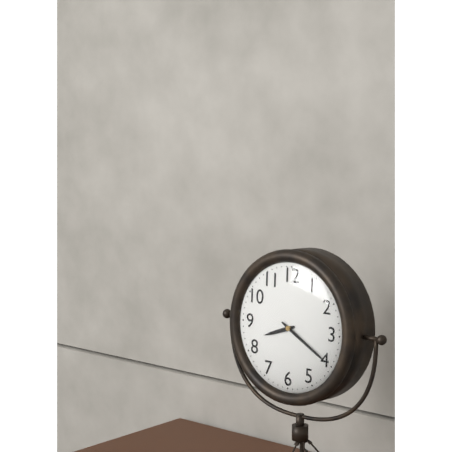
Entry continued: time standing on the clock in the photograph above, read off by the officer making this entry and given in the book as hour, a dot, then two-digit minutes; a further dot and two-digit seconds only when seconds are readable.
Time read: 8.20
